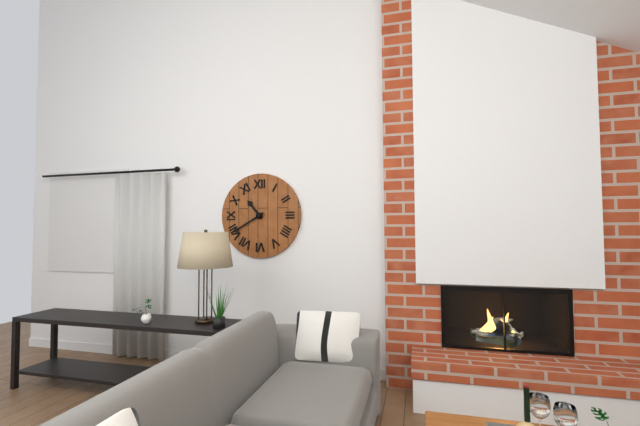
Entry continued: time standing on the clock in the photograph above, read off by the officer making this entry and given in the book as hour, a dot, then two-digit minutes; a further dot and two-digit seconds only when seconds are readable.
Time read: 10.40
